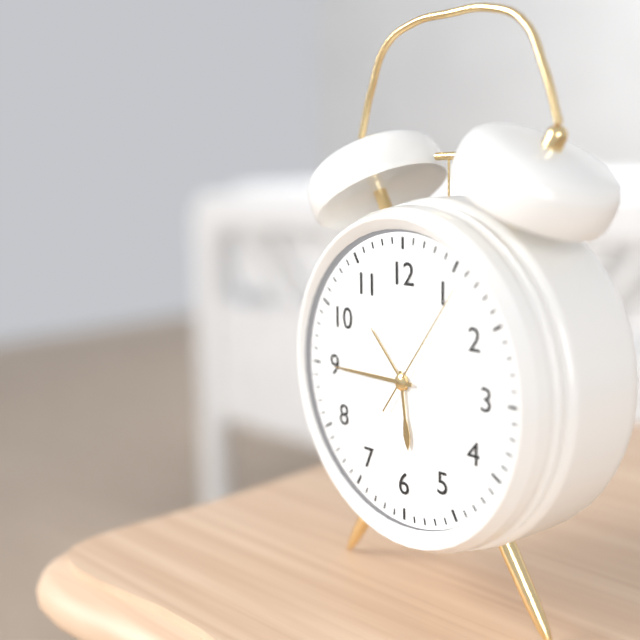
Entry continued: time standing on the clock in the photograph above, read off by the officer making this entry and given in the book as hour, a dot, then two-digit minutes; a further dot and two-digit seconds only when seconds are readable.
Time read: 5.45.06
